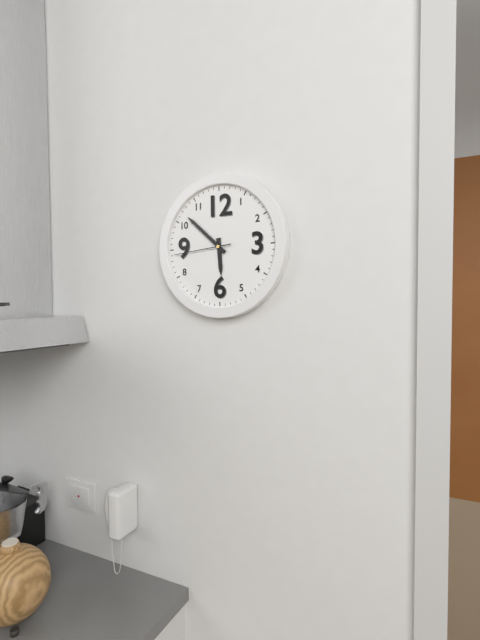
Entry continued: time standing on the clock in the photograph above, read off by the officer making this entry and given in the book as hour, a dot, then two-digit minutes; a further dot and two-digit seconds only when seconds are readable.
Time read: 5.52.44
